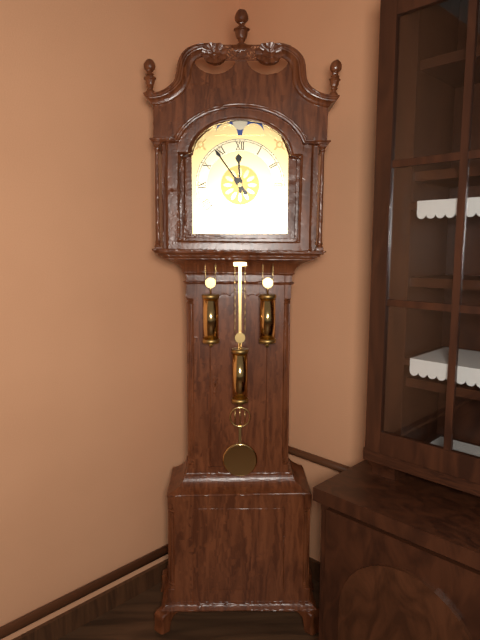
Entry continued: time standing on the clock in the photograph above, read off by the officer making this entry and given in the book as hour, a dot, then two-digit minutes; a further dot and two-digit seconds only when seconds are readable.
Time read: 11.54
